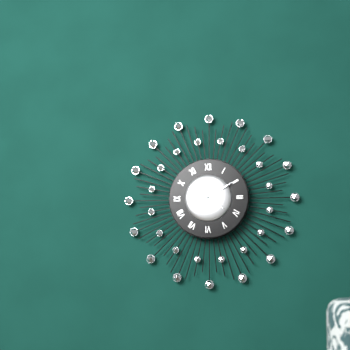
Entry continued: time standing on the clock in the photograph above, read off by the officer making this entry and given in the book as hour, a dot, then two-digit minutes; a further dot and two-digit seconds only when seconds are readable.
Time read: 4.10
